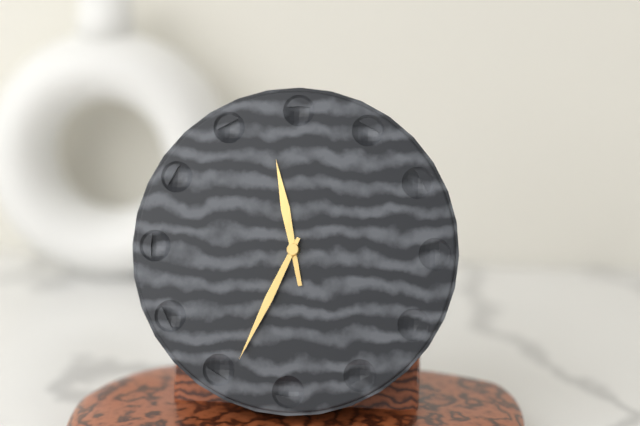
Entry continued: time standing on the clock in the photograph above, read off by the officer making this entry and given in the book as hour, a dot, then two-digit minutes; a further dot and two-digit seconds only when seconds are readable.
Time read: 11.34
